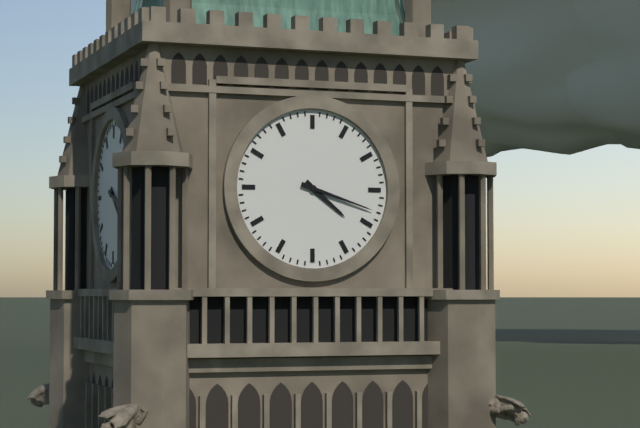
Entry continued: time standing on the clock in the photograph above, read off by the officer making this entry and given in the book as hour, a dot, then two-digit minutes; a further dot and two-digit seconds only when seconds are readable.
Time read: 4.18
